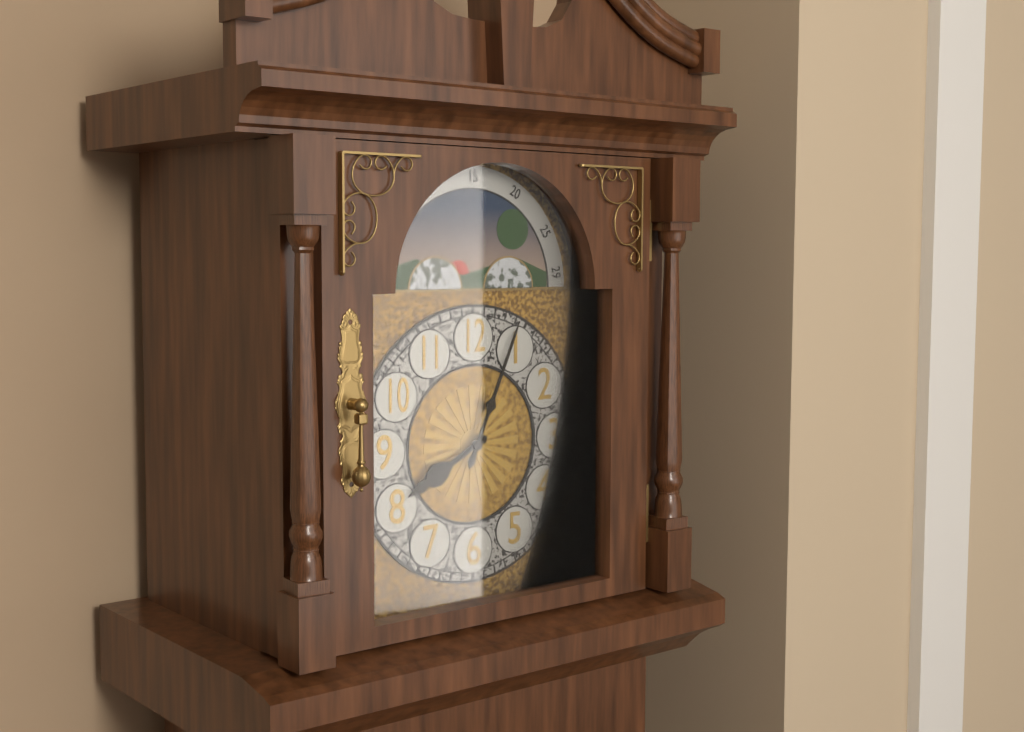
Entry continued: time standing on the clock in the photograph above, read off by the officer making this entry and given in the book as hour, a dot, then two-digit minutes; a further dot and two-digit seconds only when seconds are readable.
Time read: 8.04
